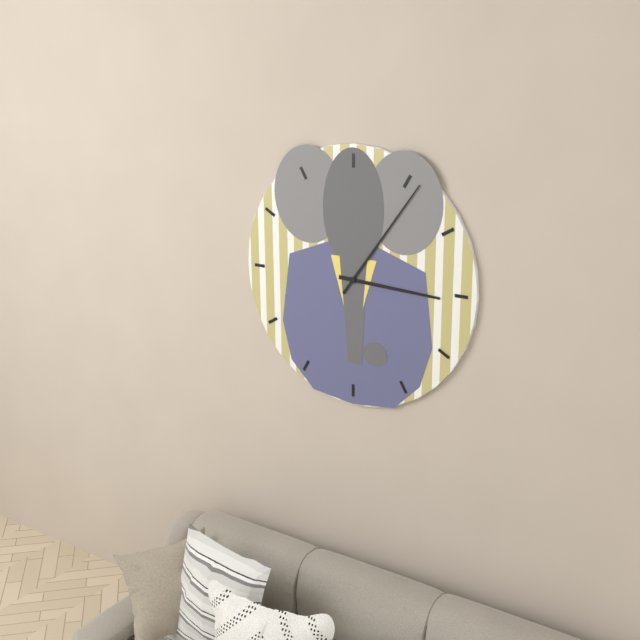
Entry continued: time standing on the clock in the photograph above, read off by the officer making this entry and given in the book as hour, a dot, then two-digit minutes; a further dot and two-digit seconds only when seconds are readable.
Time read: 3.06
